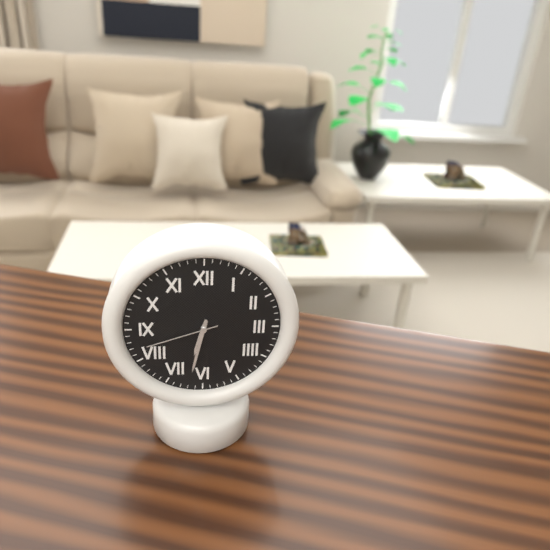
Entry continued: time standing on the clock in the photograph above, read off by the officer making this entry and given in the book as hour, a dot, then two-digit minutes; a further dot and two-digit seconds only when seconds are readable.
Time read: 6.32.42
